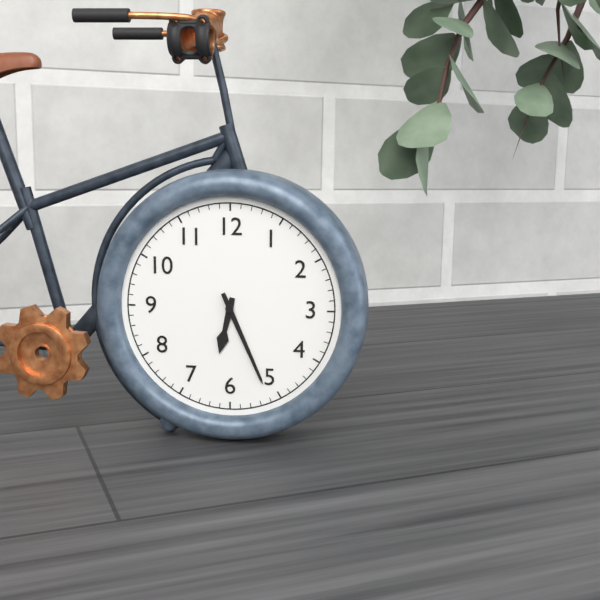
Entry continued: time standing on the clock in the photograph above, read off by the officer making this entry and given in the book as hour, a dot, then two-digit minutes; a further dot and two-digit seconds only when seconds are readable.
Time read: 6.26
